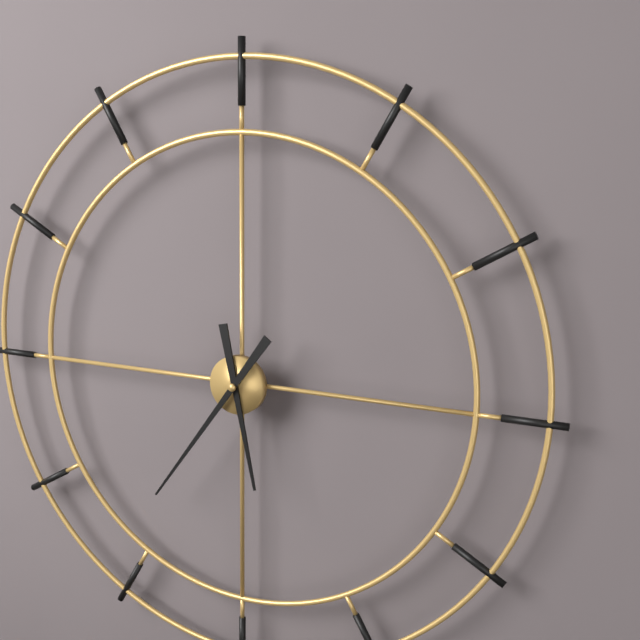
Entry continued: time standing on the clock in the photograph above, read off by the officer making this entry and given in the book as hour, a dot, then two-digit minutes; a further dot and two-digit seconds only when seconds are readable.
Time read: 5.36
